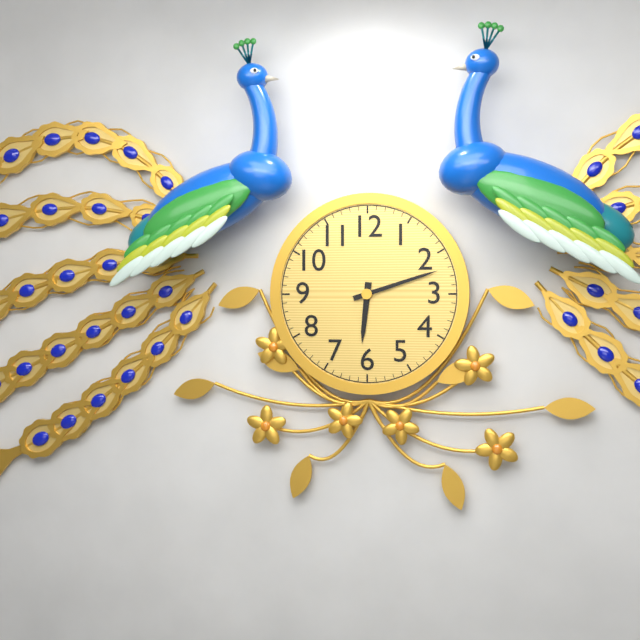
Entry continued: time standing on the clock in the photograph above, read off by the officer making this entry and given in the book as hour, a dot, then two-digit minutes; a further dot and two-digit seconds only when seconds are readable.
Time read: 6.12
